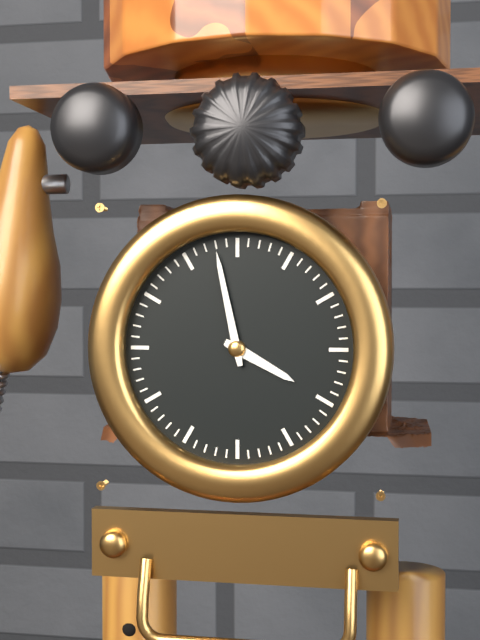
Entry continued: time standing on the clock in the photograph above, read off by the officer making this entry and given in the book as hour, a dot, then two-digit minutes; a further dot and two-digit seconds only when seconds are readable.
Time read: 3.58
